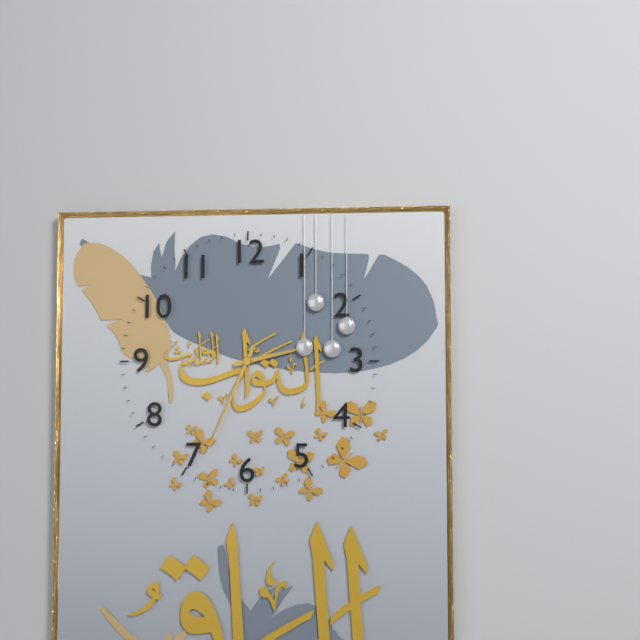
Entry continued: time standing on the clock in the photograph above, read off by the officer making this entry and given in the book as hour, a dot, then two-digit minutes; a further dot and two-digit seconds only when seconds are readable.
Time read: 2.34
